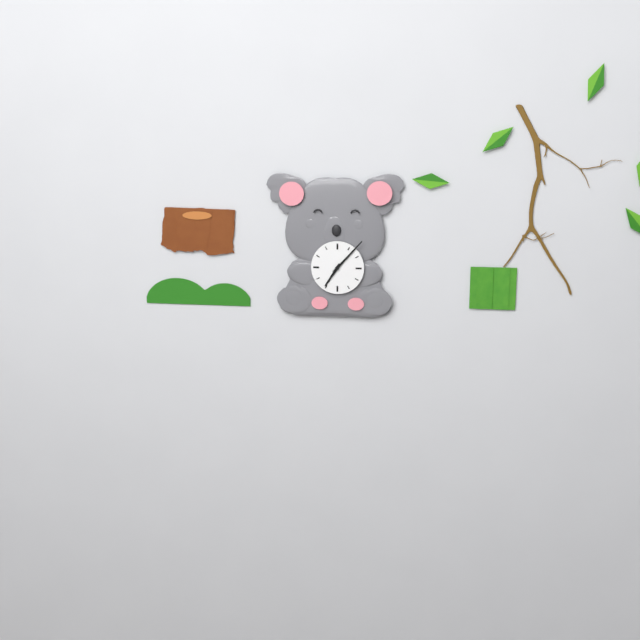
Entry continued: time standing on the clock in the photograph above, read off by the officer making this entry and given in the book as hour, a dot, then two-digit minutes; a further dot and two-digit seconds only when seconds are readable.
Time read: 7.07
